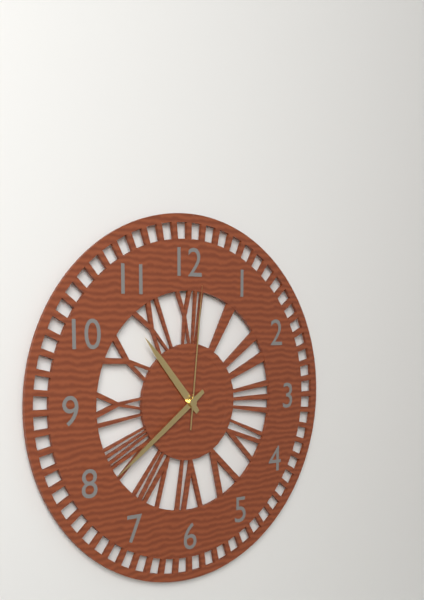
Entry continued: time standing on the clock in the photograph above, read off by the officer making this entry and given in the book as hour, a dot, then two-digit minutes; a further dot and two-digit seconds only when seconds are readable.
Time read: 10.39.01
